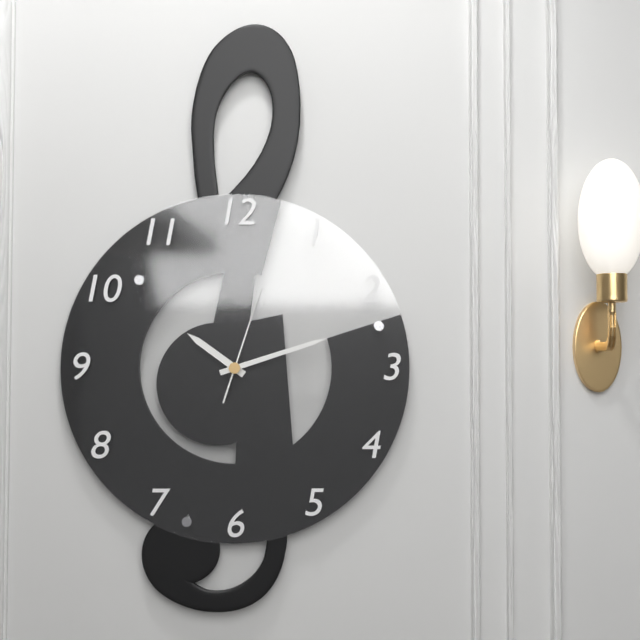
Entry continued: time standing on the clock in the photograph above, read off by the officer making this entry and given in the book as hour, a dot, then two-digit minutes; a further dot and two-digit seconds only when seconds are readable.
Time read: 10.12.03
